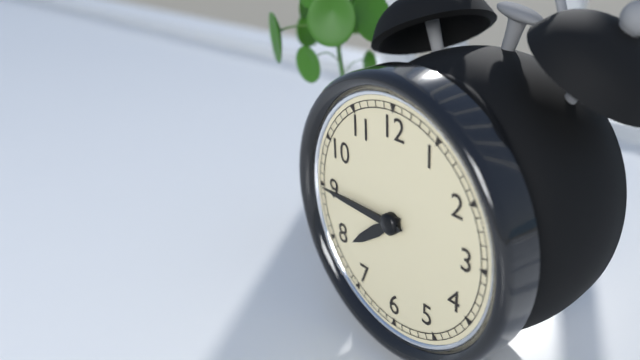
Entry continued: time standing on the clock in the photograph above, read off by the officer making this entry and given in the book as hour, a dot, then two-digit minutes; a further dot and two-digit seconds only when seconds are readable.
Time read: 7.45
